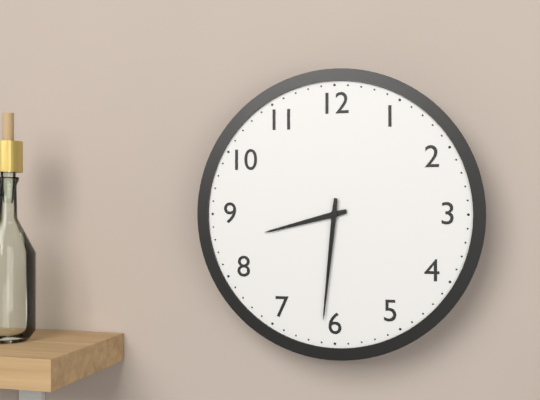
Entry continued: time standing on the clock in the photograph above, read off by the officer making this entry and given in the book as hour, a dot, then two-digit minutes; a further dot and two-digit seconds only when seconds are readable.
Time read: 8.31
